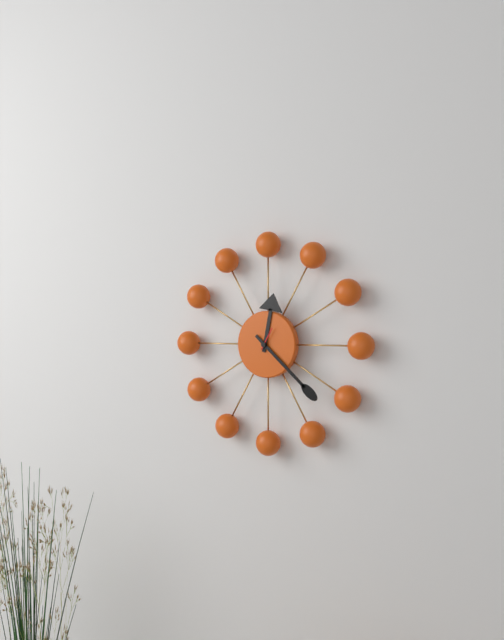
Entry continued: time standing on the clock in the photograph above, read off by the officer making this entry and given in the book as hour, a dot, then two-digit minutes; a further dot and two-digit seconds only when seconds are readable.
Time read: 12.22
